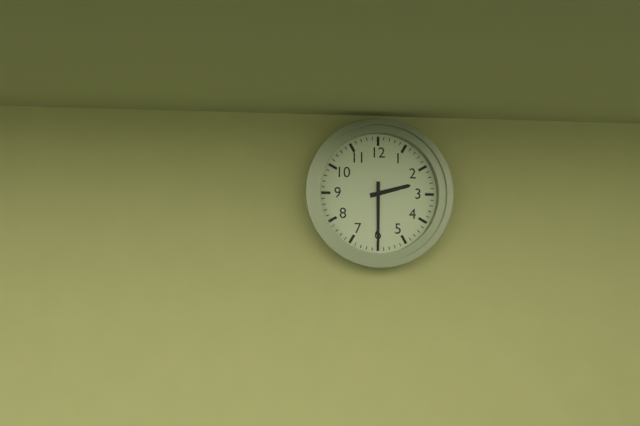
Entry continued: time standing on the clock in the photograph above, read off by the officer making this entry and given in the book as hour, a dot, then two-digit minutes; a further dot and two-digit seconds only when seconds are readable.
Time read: 2.30
